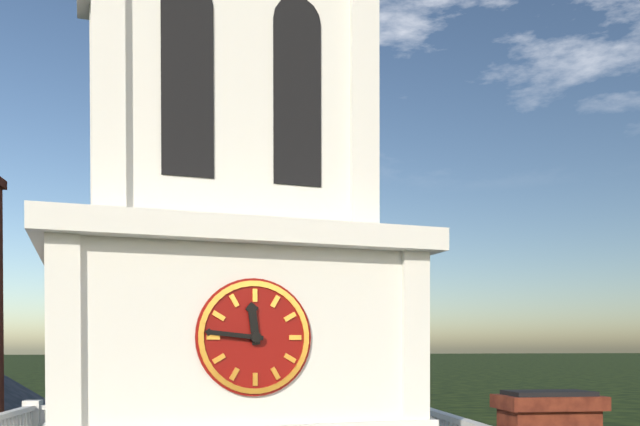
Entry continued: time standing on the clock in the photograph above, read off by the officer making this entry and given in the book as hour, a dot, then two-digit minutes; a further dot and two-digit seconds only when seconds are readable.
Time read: 11.46
